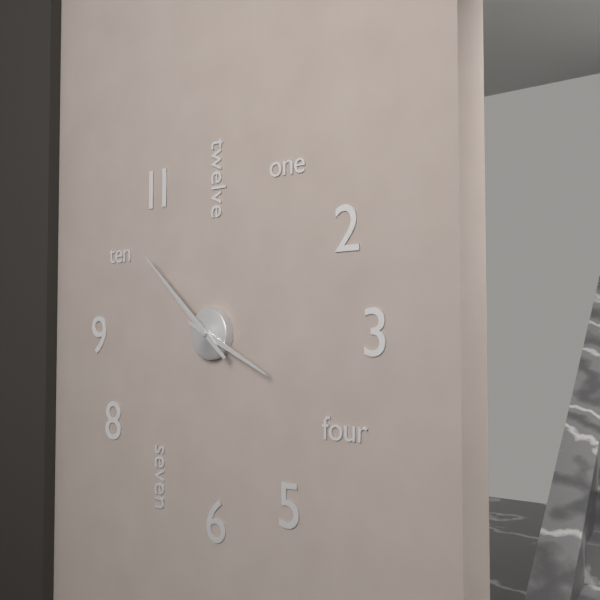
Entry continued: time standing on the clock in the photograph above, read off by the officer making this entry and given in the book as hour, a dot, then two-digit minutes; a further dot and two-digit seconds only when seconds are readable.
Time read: 3.52
